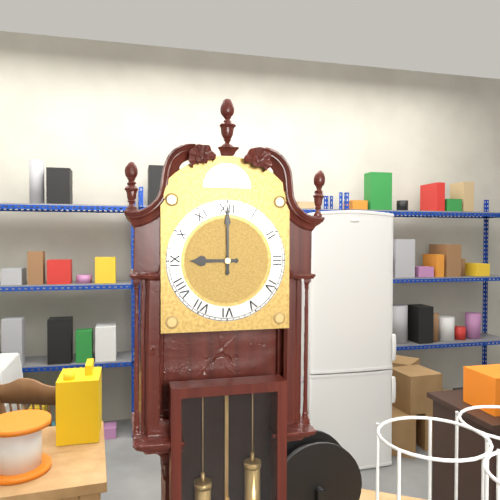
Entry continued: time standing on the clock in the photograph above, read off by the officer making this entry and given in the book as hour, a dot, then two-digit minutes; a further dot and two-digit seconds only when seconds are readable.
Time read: 9.00
